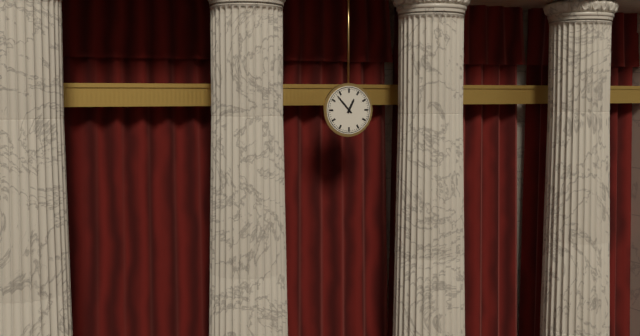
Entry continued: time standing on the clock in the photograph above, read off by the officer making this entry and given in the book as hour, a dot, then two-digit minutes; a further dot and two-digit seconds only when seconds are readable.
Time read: 12.53
